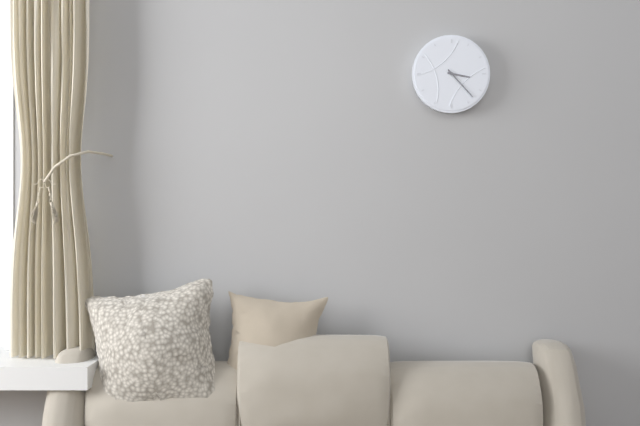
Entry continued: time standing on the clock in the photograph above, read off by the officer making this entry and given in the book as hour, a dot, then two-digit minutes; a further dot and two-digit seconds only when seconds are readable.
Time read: 3.23
